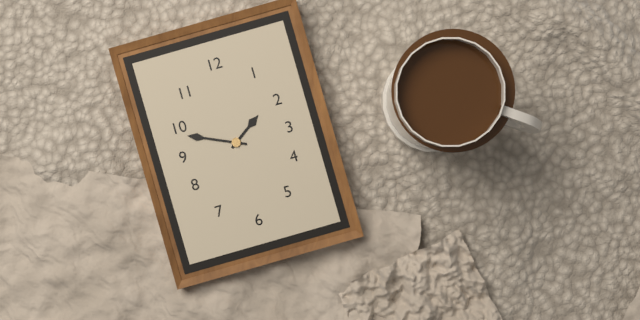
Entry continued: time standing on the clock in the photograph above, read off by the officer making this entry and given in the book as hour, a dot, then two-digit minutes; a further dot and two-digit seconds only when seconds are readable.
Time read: 1.49
